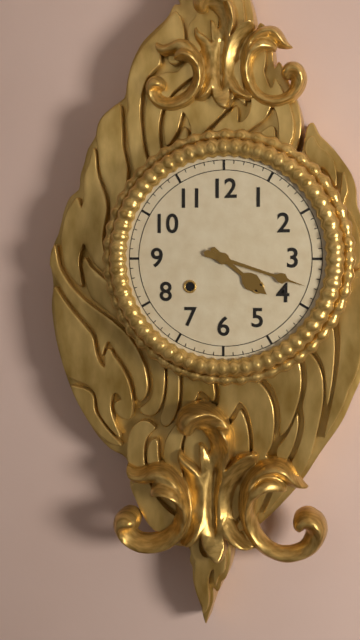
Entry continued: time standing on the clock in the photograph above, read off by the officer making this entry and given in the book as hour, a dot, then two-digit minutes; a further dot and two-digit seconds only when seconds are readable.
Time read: 4.18
